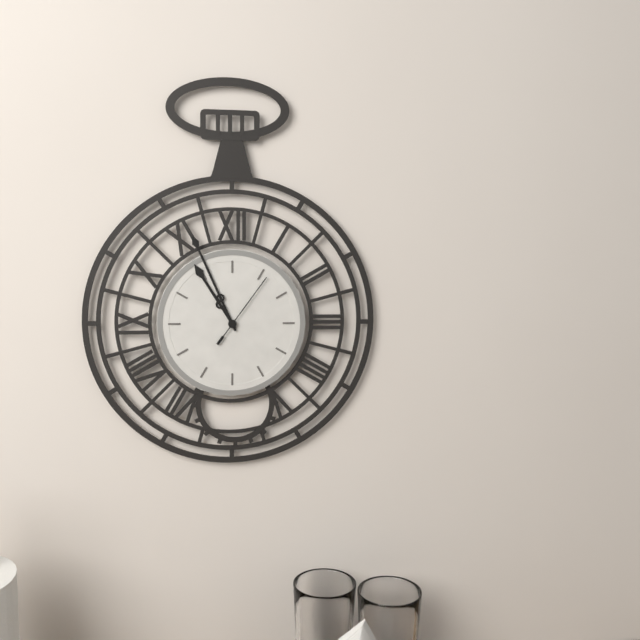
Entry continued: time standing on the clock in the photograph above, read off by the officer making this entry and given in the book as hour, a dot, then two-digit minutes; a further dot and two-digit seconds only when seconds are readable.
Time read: 10.56.06
